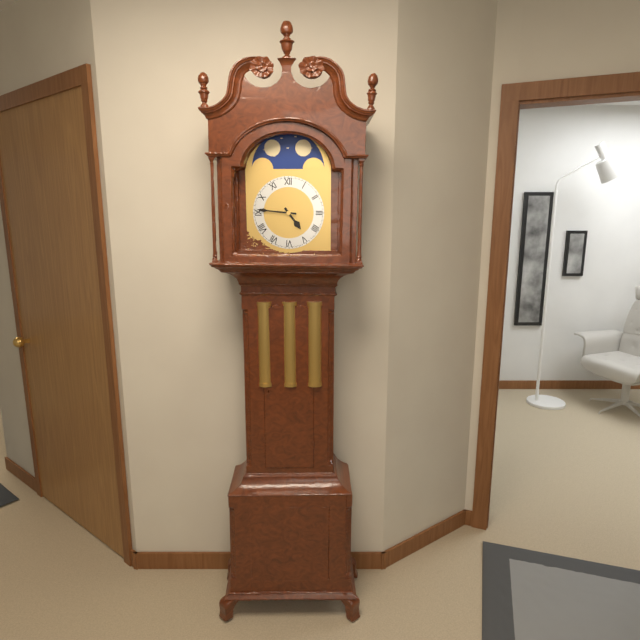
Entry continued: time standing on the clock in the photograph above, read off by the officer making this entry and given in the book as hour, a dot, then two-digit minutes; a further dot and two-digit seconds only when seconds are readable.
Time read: 4.46
